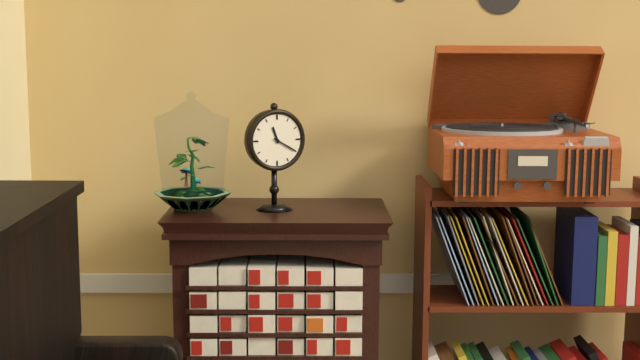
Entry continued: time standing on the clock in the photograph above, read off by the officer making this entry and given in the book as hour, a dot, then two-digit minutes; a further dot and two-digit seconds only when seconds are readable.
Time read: 11.20
